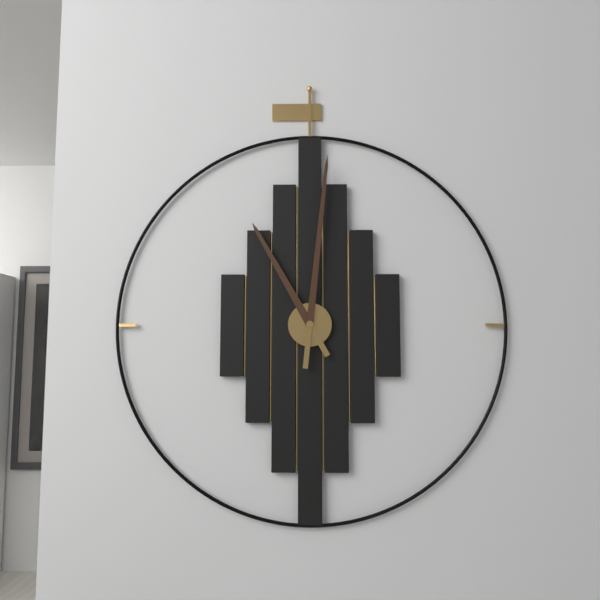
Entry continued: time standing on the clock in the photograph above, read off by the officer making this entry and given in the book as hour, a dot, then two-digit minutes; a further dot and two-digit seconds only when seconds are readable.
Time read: 11.01
